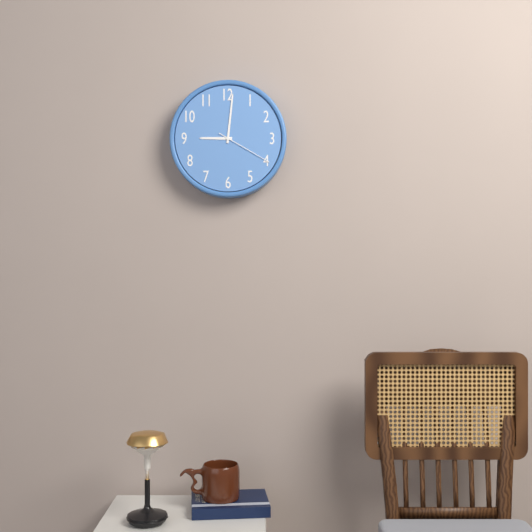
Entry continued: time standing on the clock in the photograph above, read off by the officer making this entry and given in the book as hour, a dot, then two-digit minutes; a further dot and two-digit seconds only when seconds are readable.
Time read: 9.01.20
